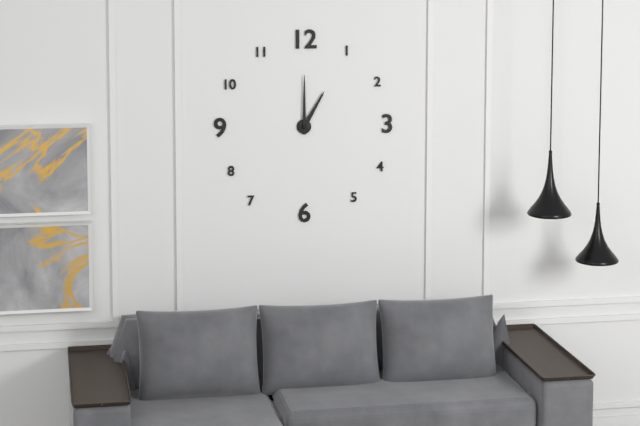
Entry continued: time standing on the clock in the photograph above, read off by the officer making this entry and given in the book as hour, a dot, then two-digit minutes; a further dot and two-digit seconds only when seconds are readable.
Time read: 1.00
